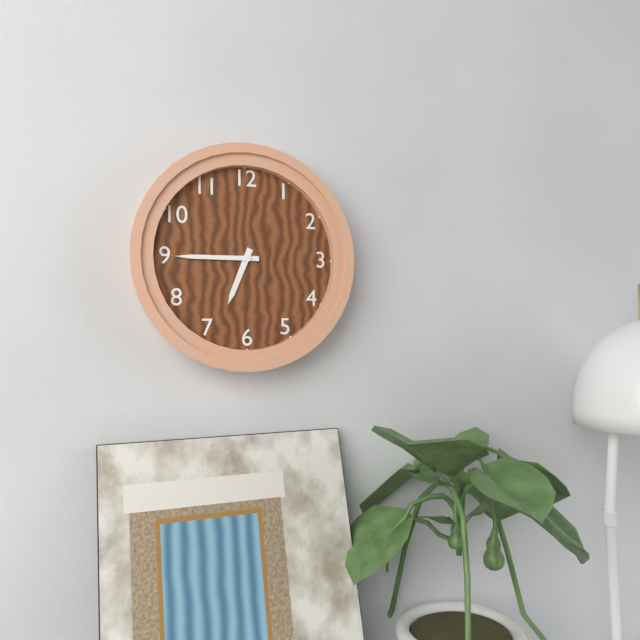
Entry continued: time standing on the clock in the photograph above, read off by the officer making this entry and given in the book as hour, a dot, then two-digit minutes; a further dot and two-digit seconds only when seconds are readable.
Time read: 6.45
